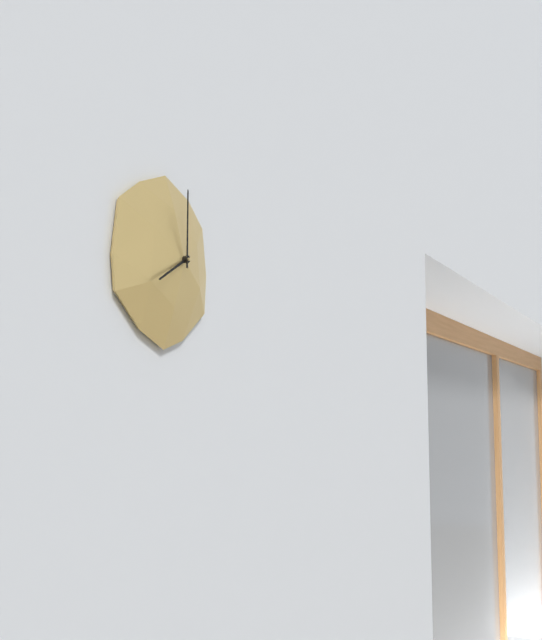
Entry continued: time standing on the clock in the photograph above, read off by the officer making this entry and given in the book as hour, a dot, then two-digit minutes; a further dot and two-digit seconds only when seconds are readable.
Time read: 8.00
